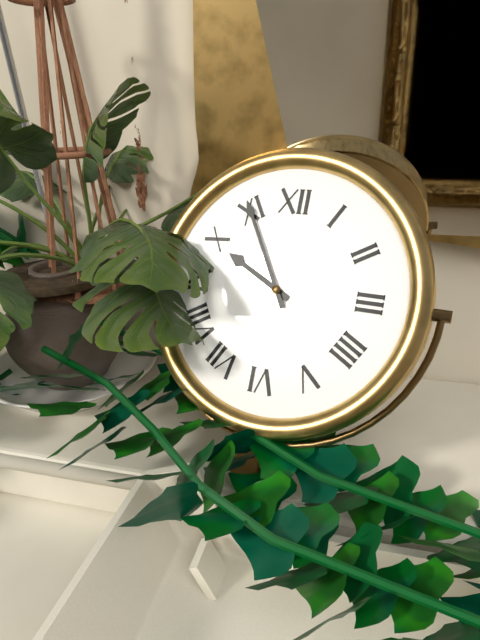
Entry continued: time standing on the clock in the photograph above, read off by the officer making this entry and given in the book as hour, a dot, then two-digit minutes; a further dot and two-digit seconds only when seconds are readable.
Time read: 9.55
